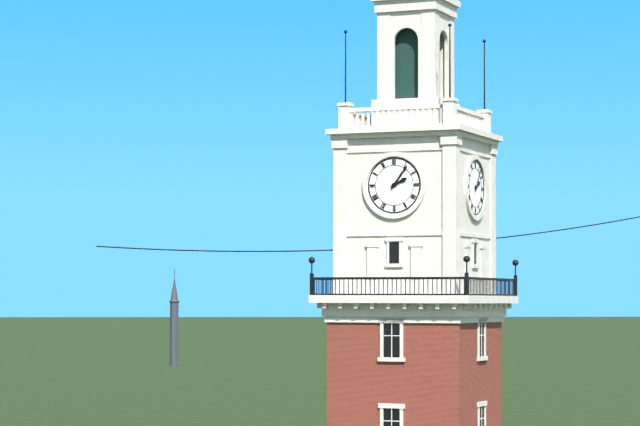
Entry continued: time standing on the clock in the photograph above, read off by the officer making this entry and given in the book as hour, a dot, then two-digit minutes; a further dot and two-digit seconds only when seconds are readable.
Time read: 2.06
